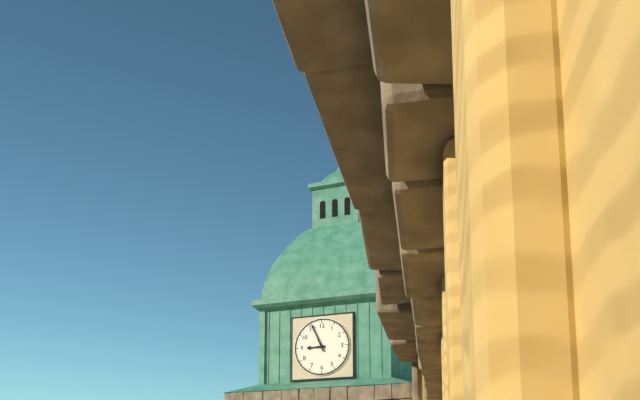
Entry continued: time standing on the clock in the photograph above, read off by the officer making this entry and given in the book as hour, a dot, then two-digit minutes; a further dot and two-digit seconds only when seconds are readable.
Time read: 8.56
